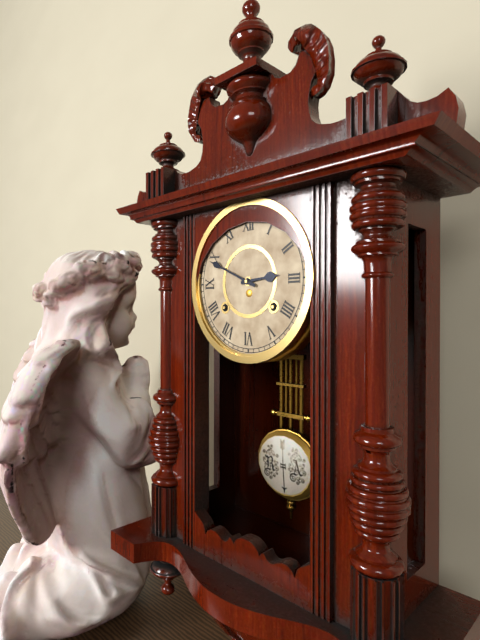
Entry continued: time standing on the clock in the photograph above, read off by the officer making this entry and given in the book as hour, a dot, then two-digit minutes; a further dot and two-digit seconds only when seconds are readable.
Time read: 2.49
